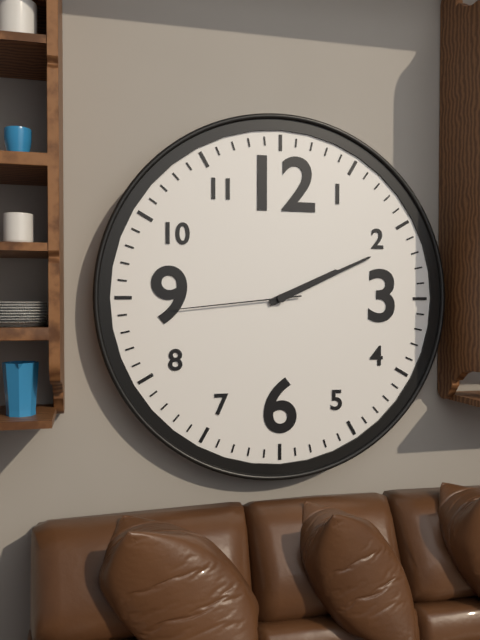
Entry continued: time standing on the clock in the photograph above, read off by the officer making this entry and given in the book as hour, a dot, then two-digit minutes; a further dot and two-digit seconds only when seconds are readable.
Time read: 2.11.44
